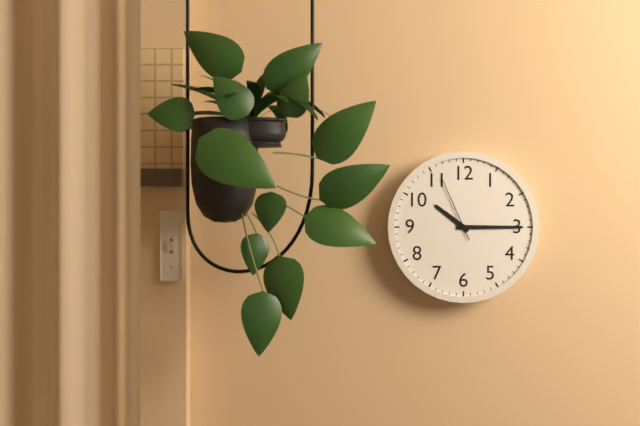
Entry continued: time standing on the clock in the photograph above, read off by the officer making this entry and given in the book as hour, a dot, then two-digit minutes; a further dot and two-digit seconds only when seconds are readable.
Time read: 10.15.56
